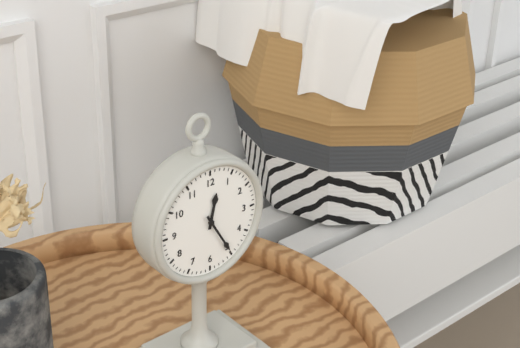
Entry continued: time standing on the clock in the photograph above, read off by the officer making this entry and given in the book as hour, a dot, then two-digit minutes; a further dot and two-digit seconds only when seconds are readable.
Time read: 12.25
